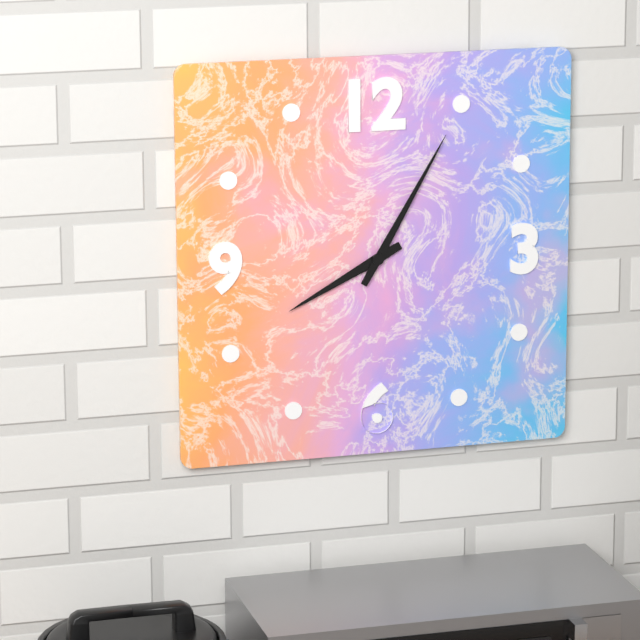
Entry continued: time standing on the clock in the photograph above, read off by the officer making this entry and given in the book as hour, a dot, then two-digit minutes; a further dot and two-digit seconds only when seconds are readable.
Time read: 8.05
